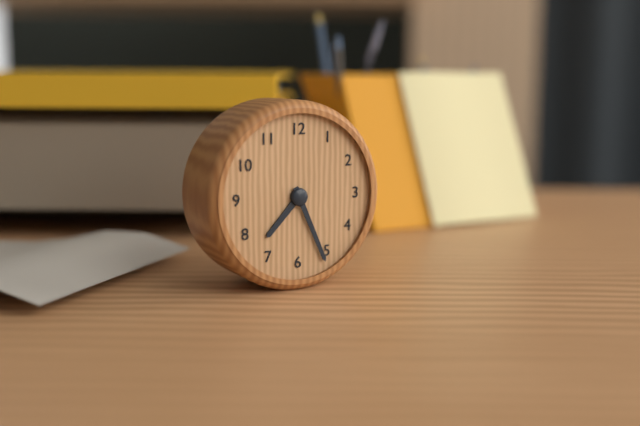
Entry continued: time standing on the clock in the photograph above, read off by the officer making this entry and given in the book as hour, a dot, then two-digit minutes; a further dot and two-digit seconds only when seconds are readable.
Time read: 7.26
